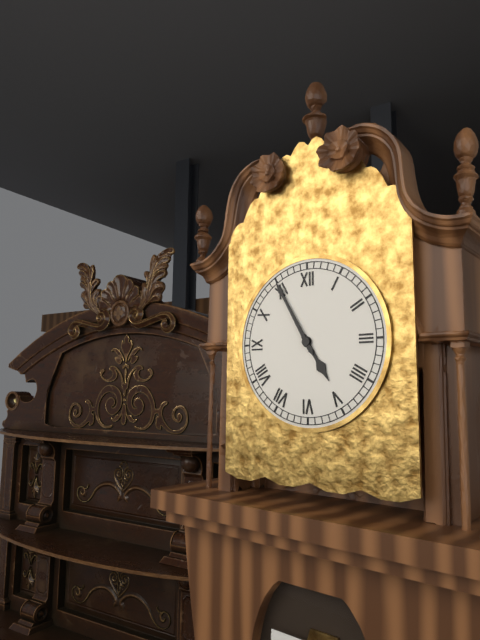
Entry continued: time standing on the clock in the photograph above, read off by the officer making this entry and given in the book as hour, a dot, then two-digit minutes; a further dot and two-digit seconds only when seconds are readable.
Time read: 4.55
